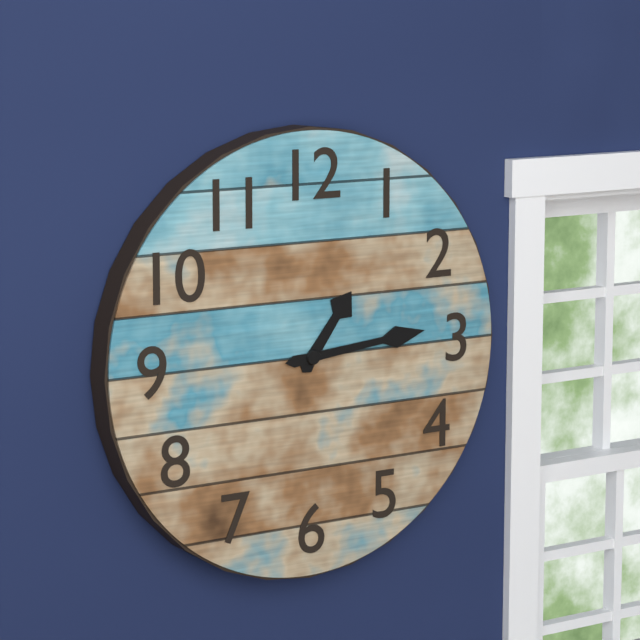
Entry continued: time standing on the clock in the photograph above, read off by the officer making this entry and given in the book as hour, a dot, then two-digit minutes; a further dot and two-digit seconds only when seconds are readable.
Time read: 1.14
